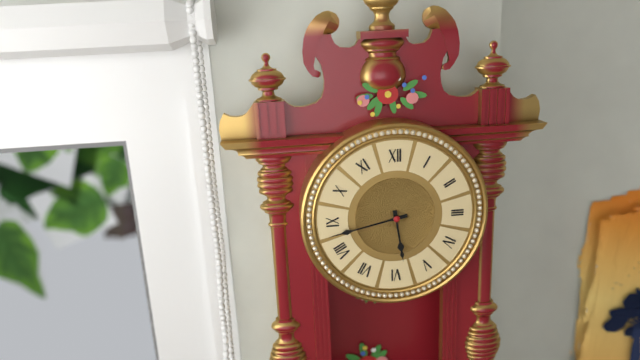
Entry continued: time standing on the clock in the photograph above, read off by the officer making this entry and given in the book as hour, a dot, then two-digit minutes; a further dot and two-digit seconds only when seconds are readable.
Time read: 5.43
